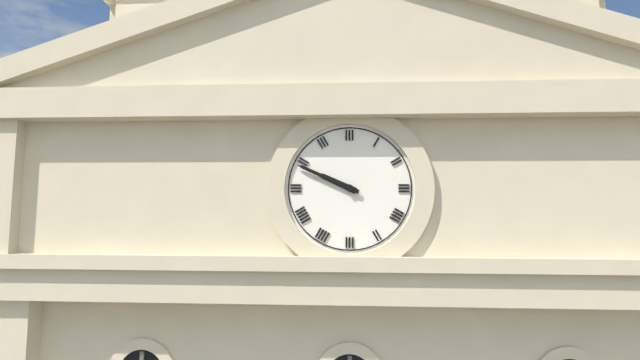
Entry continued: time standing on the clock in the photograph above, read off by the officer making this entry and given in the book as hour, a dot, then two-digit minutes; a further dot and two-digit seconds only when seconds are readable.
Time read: 9.49
